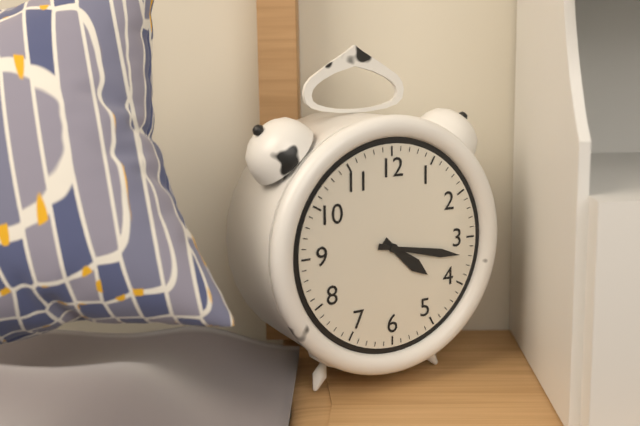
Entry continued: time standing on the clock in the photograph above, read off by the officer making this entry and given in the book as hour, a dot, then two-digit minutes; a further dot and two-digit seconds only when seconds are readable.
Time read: 4.17
